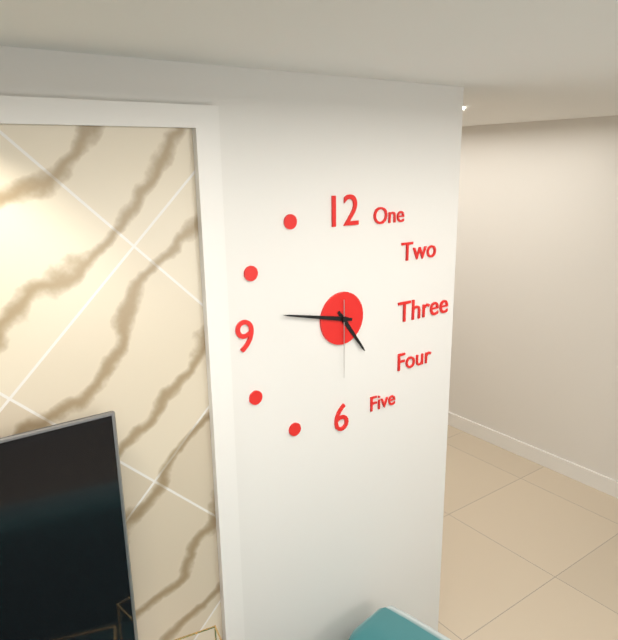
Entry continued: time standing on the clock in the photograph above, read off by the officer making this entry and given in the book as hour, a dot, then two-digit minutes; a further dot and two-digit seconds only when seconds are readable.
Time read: 4.47.30
